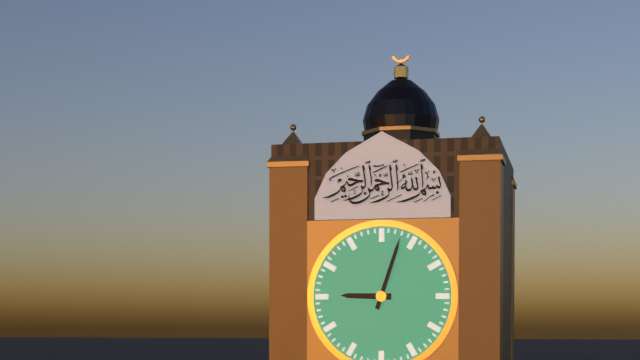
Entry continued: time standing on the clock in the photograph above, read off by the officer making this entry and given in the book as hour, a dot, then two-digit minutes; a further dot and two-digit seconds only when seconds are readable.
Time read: 9.03
